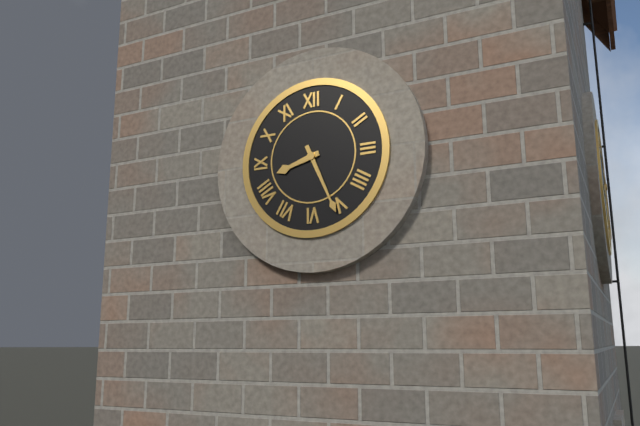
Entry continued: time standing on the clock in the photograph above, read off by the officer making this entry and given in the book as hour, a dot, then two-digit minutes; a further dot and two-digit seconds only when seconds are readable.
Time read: 8.26
